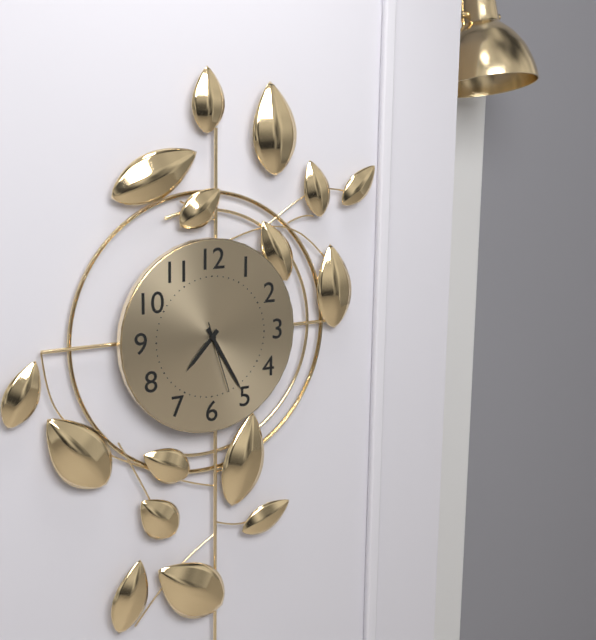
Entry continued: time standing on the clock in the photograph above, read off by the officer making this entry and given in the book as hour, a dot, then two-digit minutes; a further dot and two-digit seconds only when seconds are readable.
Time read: 7.25.27
